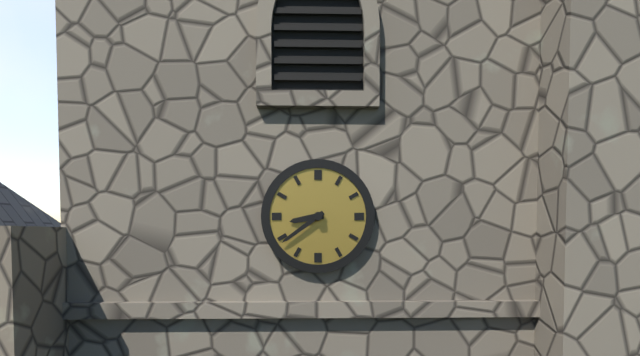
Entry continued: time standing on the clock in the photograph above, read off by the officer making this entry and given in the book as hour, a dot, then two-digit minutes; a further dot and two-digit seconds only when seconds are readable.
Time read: 8.39
